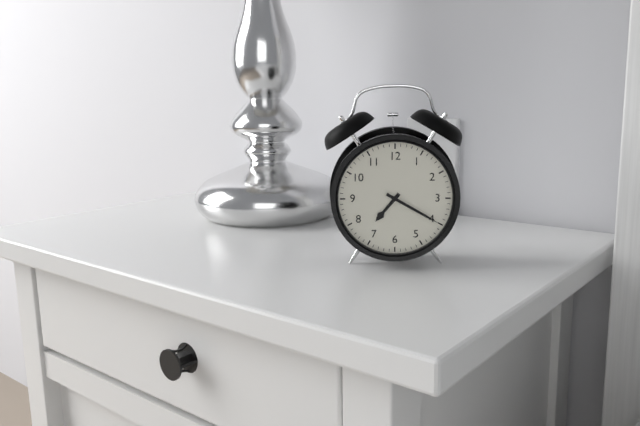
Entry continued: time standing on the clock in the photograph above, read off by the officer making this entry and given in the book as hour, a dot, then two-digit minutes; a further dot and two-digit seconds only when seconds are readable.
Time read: 7.20
